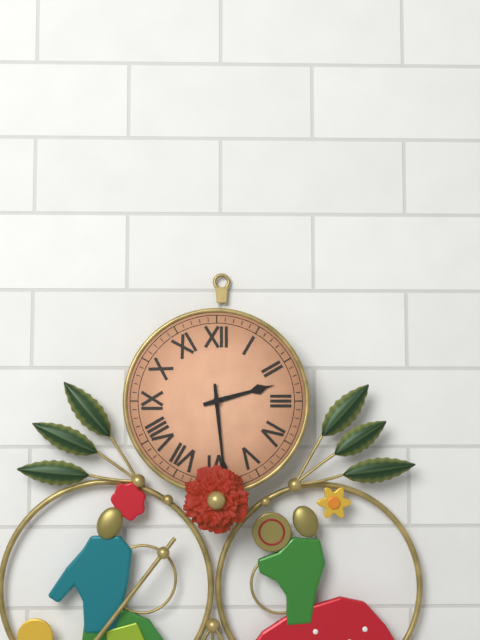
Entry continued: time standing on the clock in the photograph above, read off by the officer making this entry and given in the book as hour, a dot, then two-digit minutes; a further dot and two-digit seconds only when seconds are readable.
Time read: 2.29
